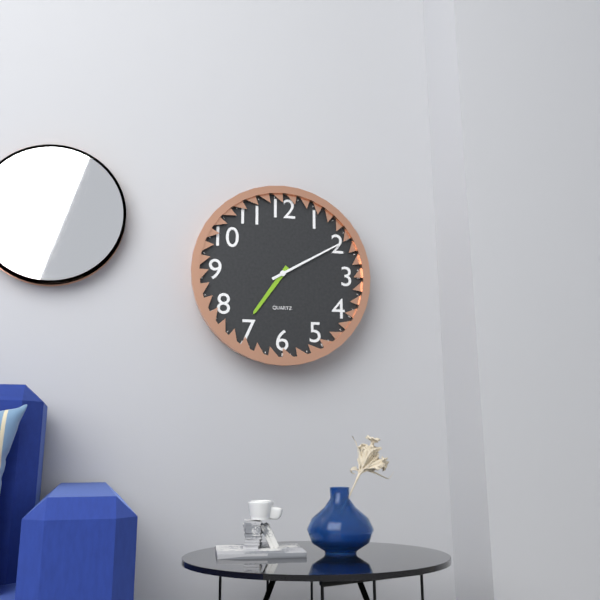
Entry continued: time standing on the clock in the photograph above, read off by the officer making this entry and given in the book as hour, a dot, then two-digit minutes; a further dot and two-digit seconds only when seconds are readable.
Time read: 7.10
